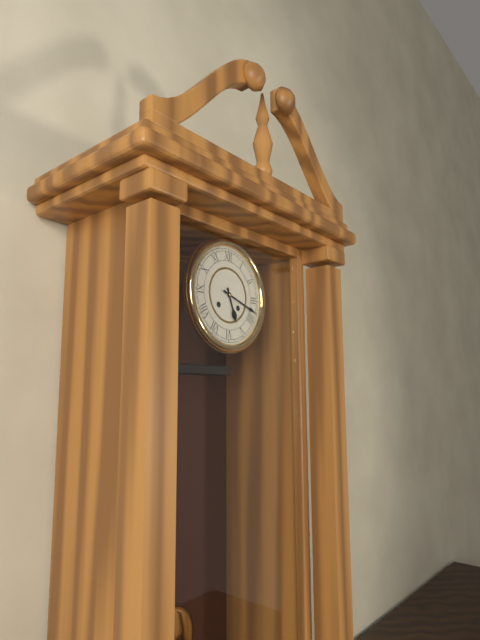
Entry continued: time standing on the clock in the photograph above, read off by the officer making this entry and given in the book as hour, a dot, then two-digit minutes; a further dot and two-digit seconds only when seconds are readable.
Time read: 5.18
